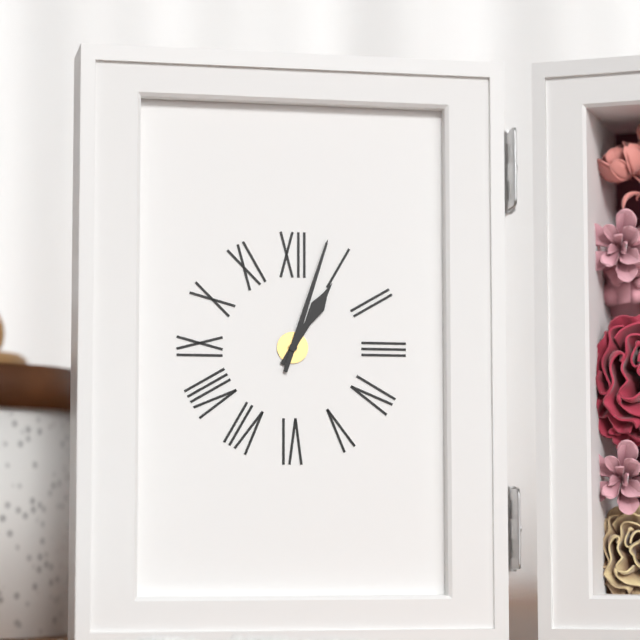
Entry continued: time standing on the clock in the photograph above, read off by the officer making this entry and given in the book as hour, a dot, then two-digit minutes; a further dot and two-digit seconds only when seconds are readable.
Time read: 1.03
